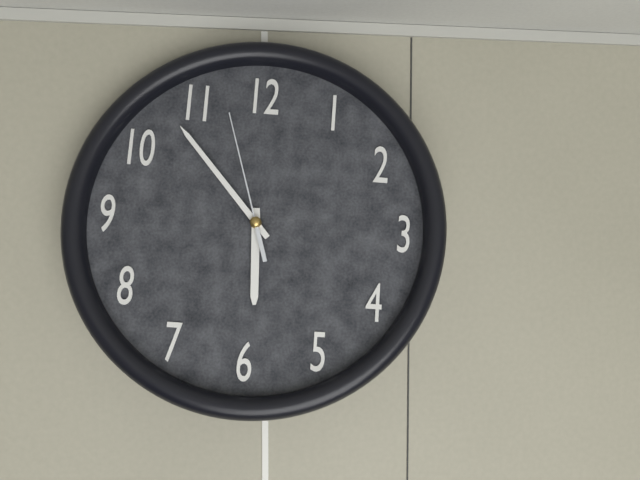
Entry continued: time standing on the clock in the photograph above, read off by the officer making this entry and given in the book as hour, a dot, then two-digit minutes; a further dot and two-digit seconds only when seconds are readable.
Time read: 5.53.57
